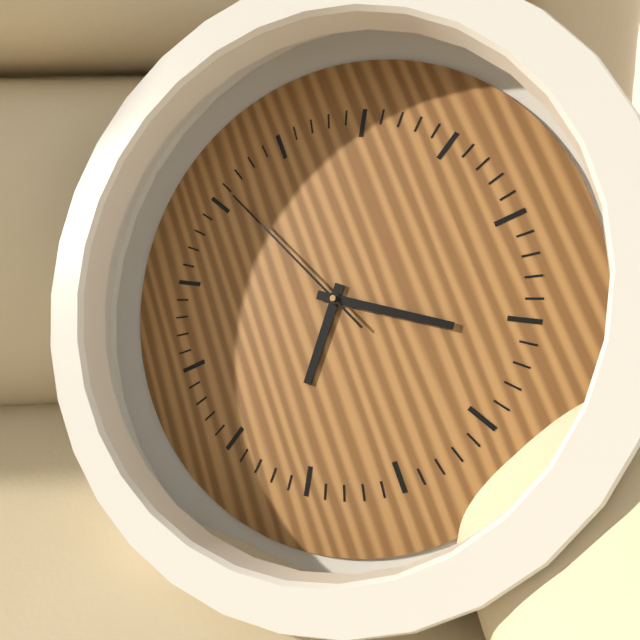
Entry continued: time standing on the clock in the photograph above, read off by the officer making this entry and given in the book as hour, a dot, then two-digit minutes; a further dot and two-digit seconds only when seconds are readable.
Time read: 7.21.56
